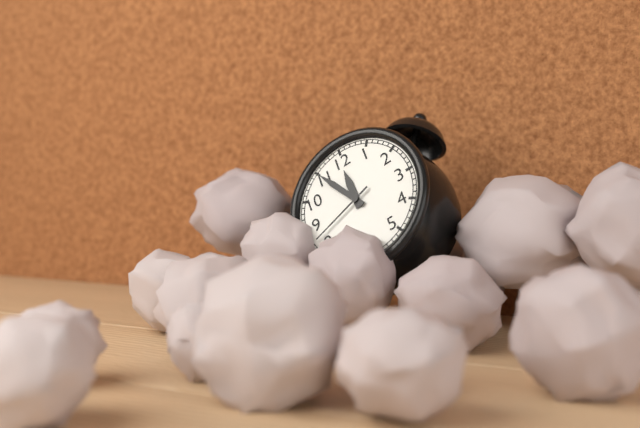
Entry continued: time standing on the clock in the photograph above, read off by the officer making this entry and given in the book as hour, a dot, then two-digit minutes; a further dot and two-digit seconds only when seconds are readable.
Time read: 11.55.42
